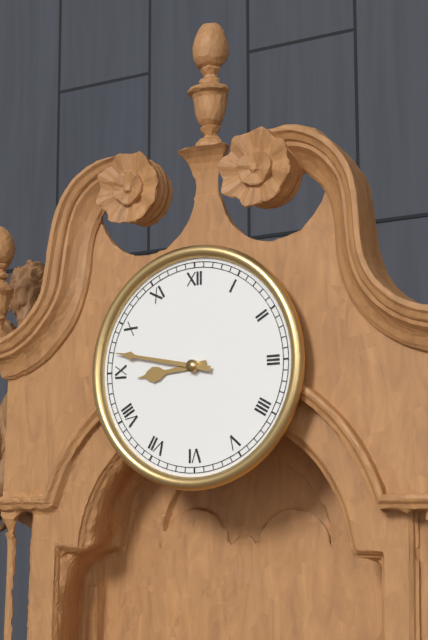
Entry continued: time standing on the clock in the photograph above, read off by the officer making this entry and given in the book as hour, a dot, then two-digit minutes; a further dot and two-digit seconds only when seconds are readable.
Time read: 8.47
